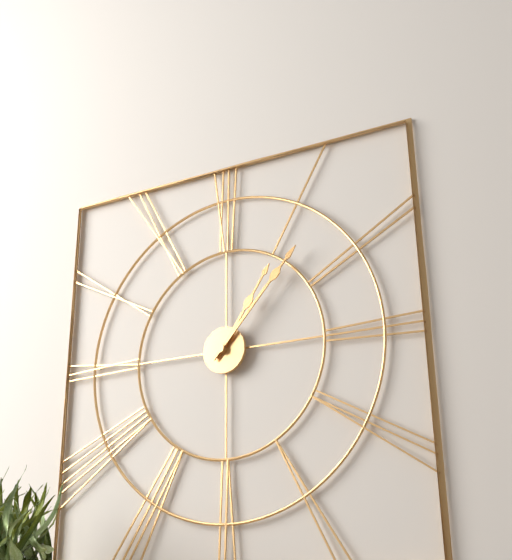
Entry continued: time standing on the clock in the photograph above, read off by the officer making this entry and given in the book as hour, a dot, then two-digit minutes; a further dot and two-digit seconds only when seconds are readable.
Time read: 1.07
